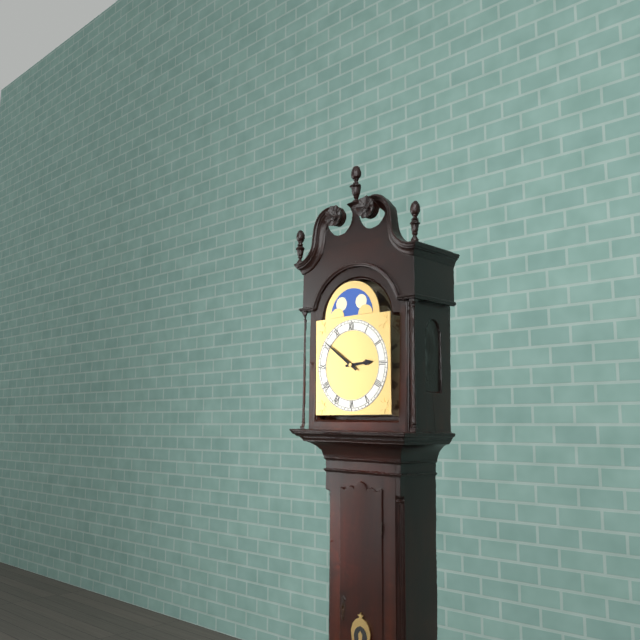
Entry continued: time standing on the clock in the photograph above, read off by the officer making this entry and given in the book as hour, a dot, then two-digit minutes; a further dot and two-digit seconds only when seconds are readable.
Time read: 2.51
